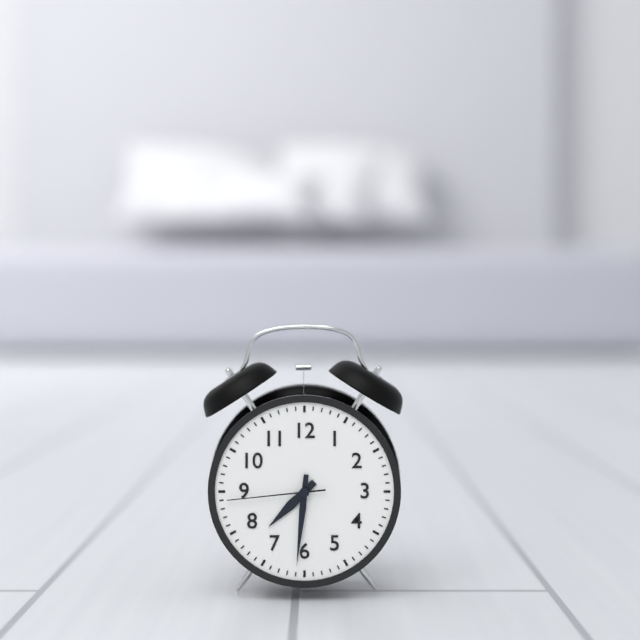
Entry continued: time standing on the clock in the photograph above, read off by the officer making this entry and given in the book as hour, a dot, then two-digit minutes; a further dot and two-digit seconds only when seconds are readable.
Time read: 7.31.44
